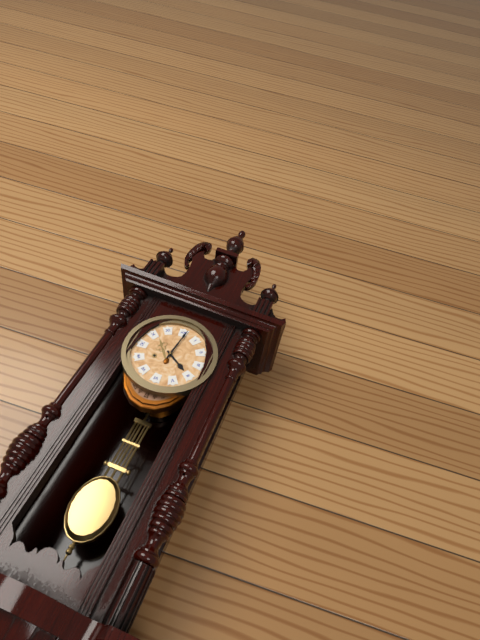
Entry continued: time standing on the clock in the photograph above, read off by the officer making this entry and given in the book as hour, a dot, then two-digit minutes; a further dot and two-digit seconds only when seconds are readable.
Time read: 4.01
